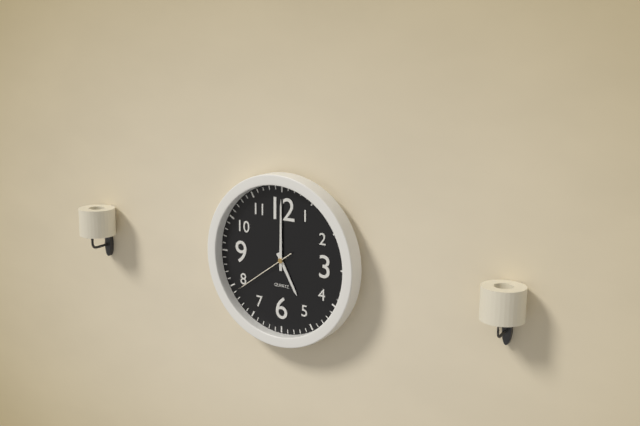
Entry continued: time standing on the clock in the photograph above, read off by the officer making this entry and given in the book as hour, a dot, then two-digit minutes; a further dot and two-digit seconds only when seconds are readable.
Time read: 5.00.39
